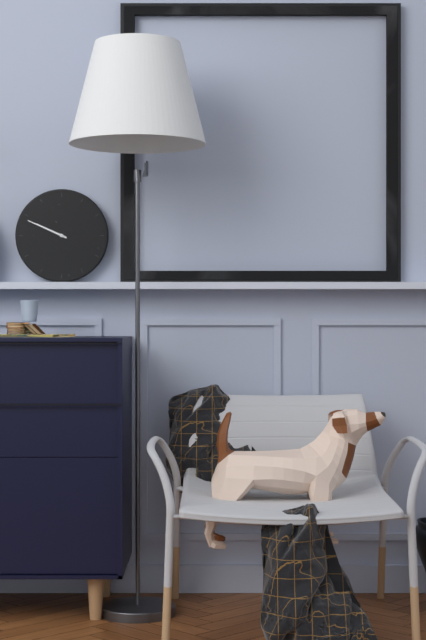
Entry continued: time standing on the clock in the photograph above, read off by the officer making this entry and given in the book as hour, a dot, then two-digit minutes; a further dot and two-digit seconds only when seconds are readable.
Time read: 9.49
